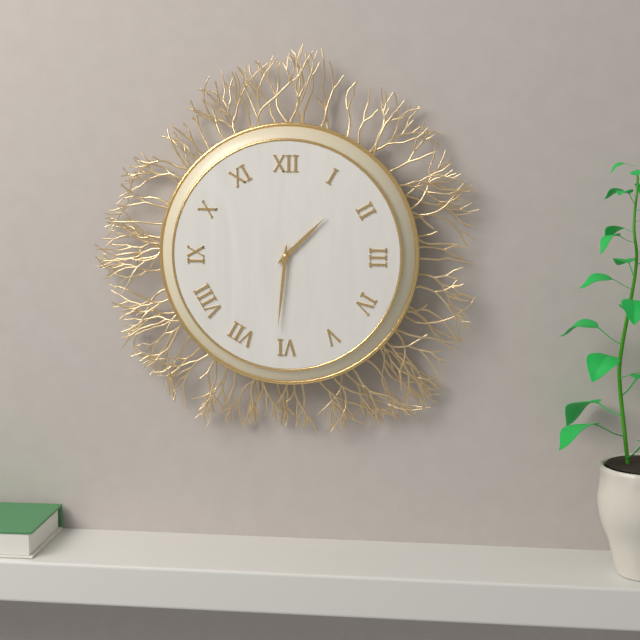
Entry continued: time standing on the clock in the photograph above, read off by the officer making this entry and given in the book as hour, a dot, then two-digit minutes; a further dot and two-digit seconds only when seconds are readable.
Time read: 1.31
